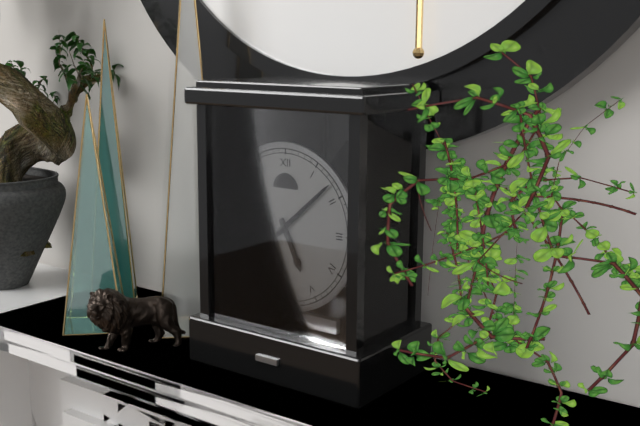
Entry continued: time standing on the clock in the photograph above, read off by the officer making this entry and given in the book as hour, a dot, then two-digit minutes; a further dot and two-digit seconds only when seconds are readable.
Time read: 5.08
